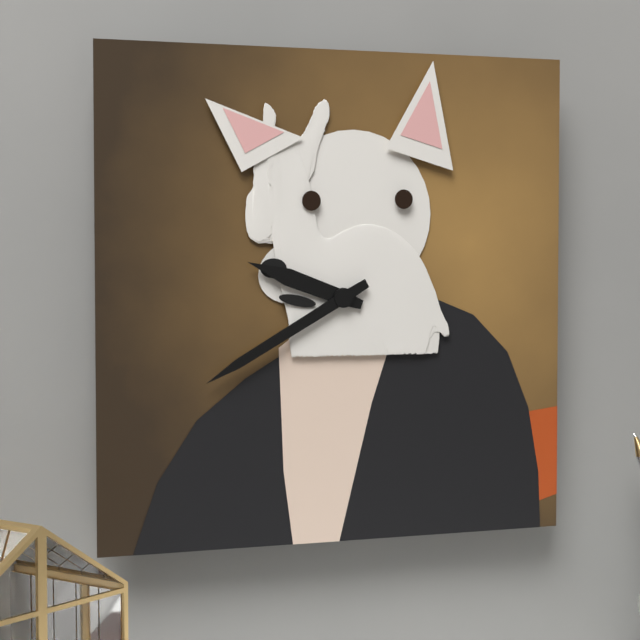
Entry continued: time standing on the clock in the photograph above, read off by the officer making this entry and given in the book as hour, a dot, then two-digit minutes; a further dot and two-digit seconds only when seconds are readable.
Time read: 9.40
